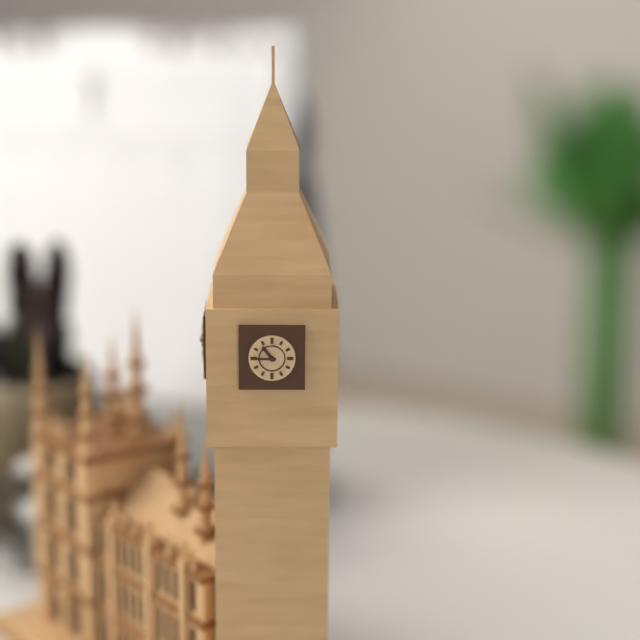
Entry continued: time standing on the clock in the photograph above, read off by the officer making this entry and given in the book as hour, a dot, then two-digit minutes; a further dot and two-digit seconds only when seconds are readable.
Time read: 10.45
